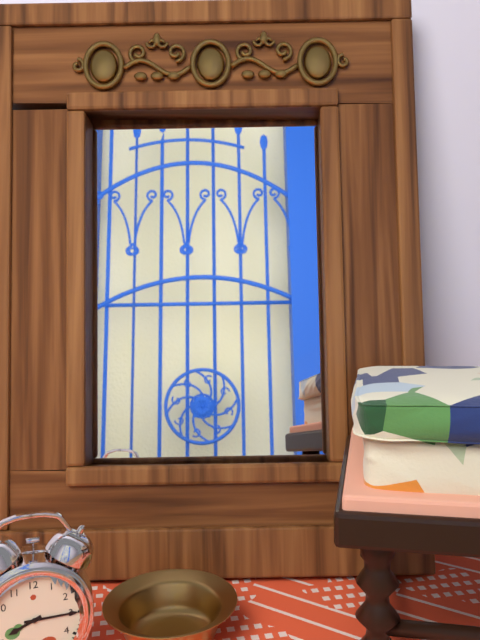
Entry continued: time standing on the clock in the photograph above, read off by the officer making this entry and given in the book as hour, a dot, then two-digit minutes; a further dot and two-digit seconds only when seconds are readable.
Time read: 8.15
